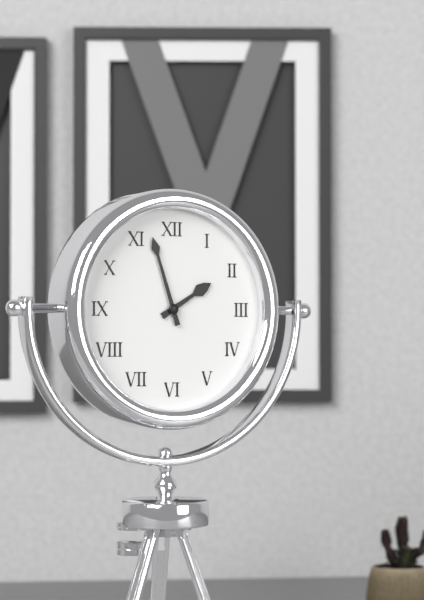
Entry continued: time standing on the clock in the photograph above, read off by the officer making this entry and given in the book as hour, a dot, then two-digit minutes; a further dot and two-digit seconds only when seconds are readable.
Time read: 1.57
